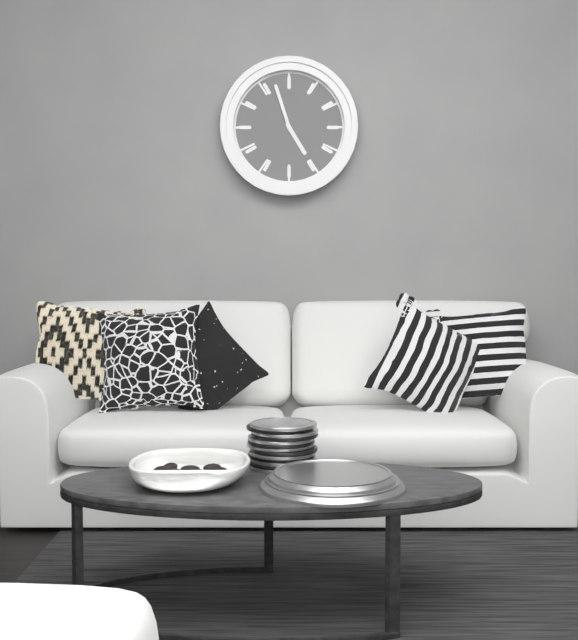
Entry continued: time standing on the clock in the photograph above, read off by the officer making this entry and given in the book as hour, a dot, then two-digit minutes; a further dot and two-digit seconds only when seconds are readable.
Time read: 4.57
